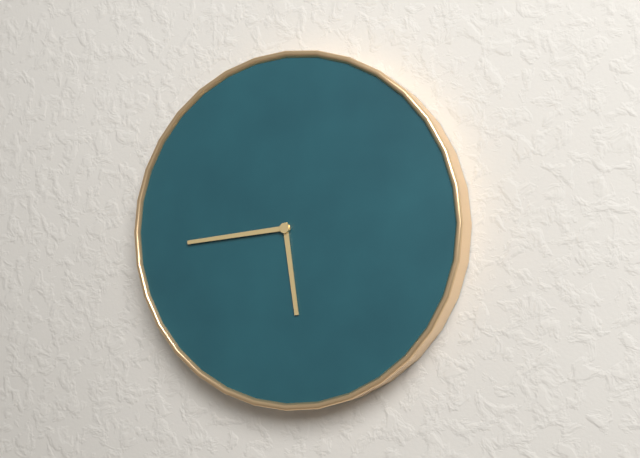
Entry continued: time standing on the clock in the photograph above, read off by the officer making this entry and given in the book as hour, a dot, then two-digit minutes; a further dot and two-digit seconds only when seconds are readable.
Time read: 5.44
